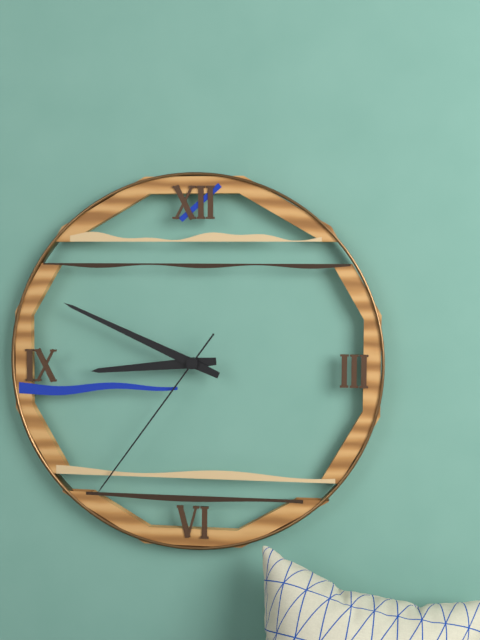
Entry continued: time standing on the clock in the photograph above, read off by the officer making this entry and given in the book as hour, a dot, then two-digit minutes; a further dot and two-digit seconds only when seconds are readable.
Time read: 8.49.36
